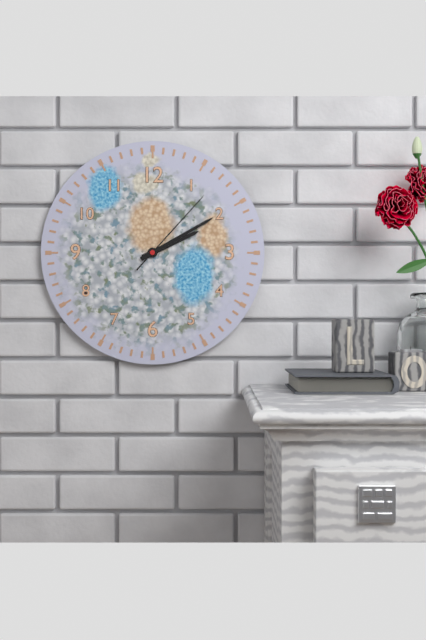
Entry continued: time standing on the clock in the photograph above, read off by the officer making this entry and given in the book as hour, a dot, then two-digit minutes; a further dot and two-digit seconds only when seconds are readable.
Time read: 2.10.07
